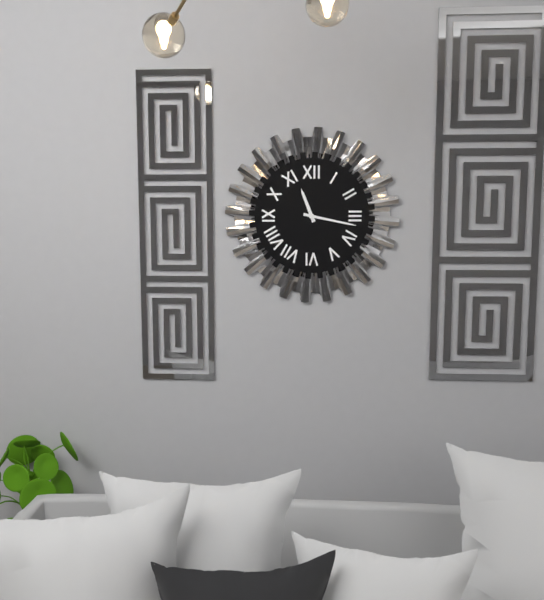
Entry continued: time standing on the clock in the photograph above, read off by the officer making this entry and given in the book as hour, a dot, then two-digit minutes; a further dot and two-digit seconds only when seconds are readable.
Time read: 11.17
